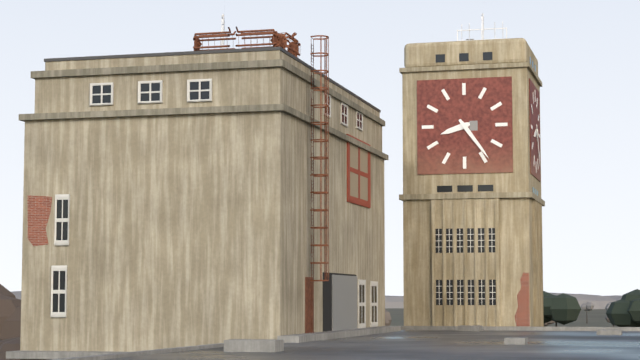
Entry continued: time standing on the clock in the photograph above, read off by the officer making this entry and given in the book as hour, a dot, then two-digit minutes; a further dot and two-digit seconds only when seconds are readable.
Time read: 8.24
